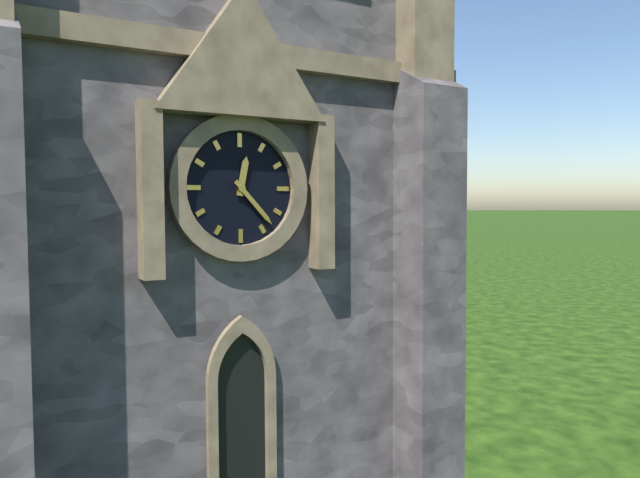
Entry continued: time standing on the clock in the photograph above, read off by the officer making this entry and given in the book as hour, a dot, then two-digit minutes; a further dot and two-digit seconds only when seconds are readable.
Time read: 12.23
